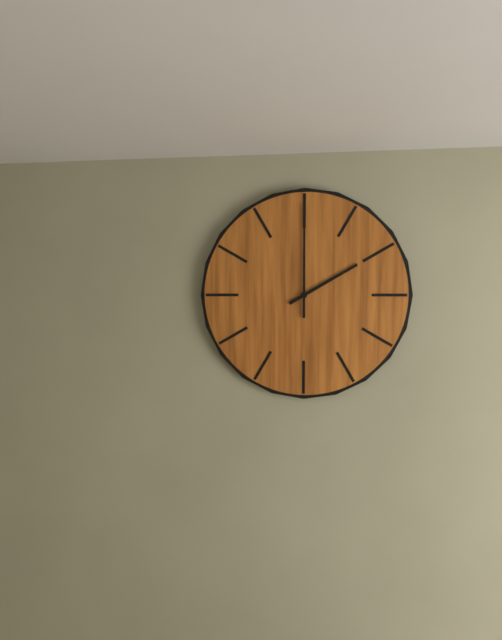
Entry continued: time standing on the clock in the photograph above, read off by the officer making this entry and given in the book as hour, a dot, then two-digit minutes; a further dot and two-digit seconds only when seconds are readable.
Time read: 2.00
